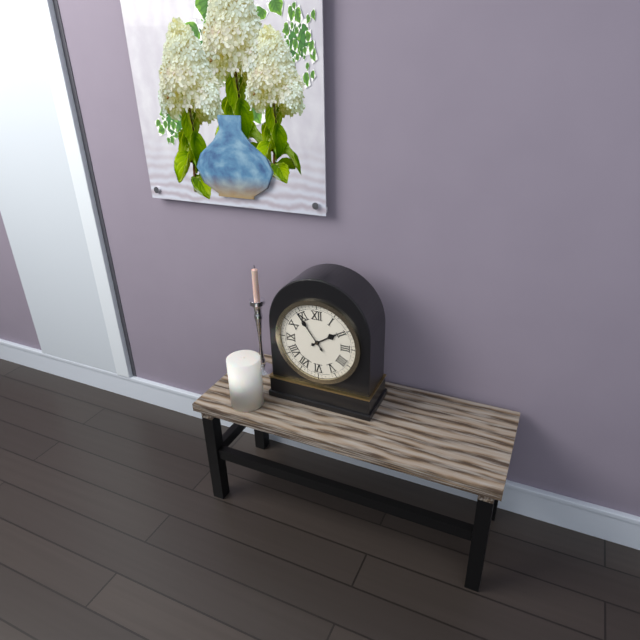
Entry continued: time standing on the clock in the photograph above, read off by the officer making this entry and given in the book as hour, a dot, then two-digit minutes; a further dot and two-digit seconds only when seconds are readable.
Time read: 1.54
